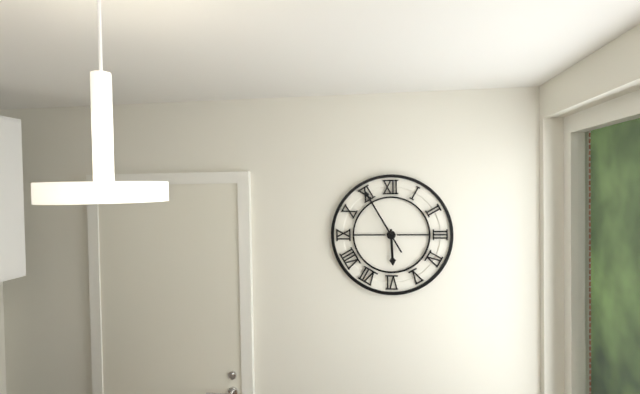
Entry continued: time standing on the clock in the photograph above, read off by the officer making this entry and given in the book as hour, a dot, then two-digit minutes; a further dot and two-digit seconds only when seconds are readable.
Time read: 5.55
